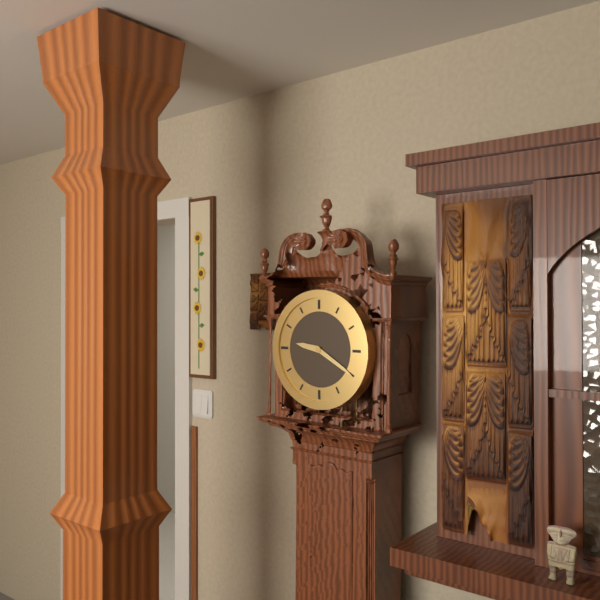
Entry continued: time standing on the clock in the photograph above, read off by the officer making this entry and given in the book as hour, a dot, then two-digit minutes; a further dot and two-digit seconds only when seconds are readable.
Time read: 9.20
